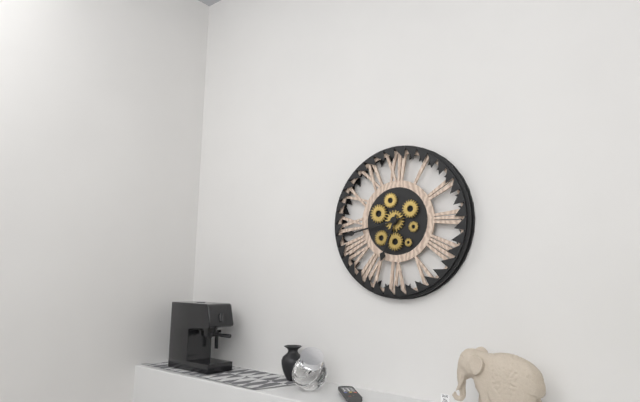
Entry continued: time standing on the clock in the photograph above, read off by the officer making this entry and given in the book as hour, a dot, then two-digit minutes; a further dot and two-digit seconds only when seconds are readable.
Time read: 6.43
